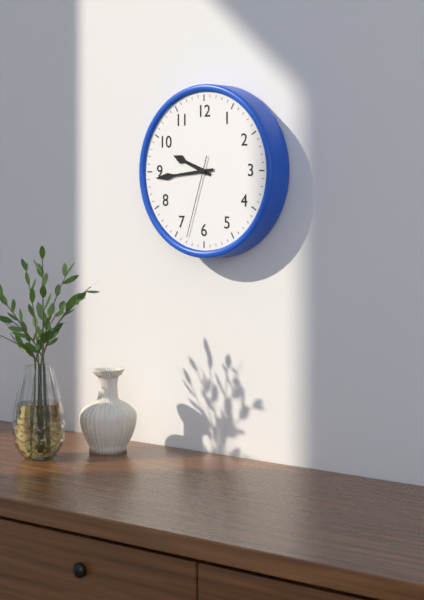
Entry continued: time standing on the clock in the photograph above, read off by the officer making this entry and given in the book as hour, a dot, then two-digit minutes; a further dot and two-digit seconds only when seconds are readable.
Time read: 9.44.33
